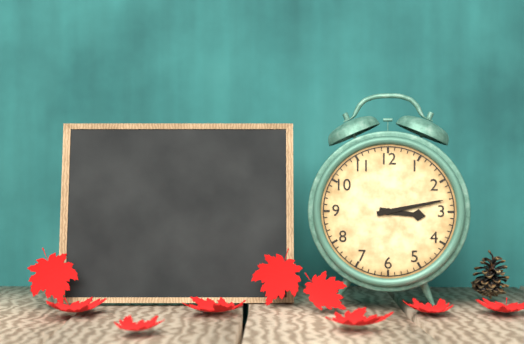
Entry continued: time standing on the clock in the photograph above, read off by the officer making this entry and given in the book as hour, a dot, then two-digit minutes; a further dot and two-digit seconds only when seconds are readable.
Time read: 3.13
